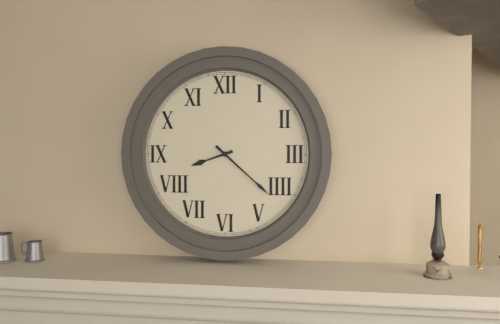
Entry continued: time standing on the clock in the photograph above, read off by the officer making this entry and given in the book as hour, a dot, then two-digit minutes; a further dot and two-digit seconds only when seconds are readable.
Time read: 8.22
